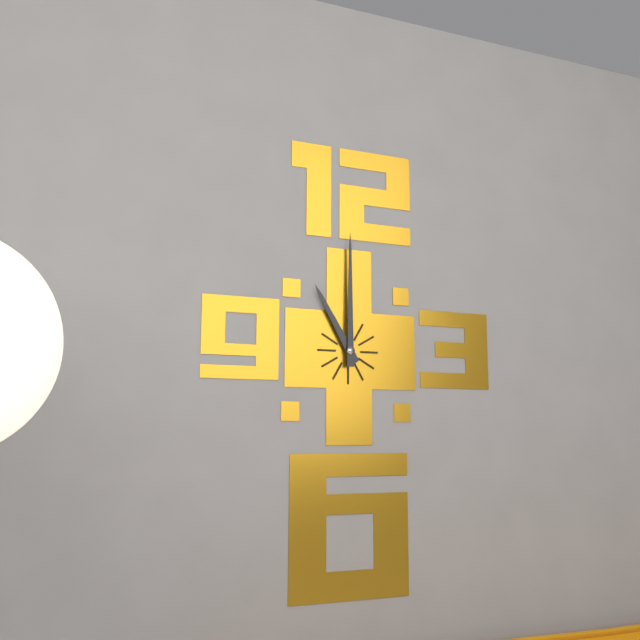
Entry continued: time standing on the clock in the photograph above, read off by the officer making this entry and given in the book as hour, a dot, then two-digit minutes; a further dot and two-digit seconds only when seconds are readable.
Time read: 11.00
